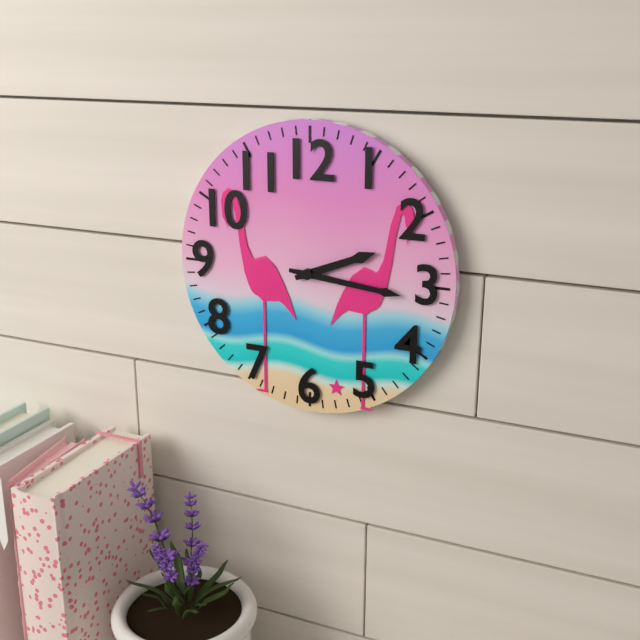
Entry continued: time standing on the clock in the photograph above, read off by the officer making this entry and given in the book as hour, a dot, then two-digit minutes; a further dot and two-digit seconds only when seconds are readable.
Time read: 2.16
